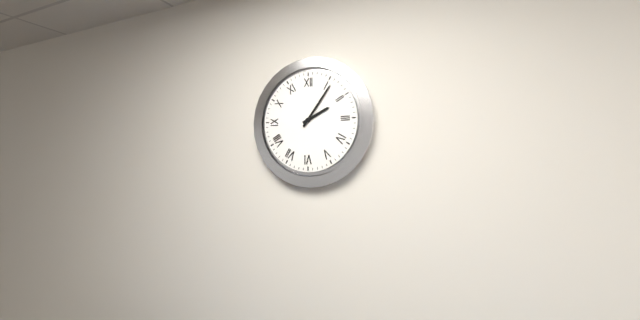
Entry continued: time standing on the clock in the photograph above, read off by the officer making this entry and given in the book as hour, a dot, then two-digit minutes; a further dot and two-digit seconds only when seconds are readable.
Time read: 2.06
